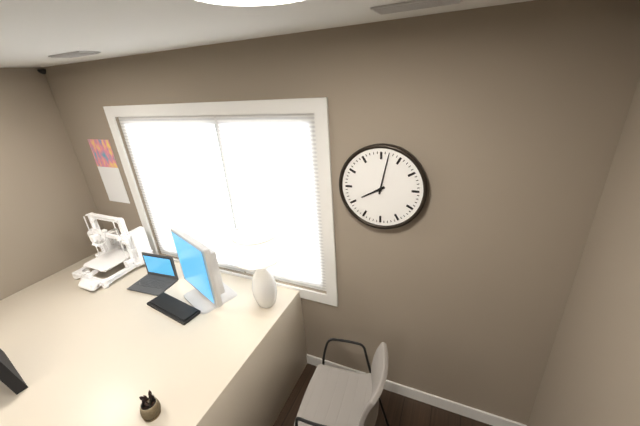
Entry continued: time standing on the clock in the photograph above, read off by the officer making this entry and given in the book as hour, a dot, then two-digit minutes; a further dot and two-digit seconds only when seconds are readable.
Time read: 8.02
